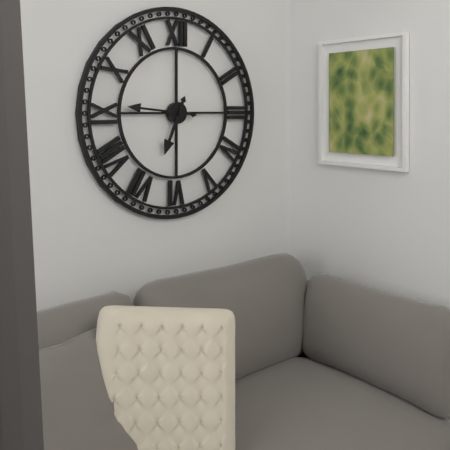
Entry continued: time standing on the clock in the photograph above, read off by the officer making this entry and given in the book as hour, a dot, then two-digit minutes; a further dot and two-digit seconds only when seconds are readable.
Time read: 6.46
